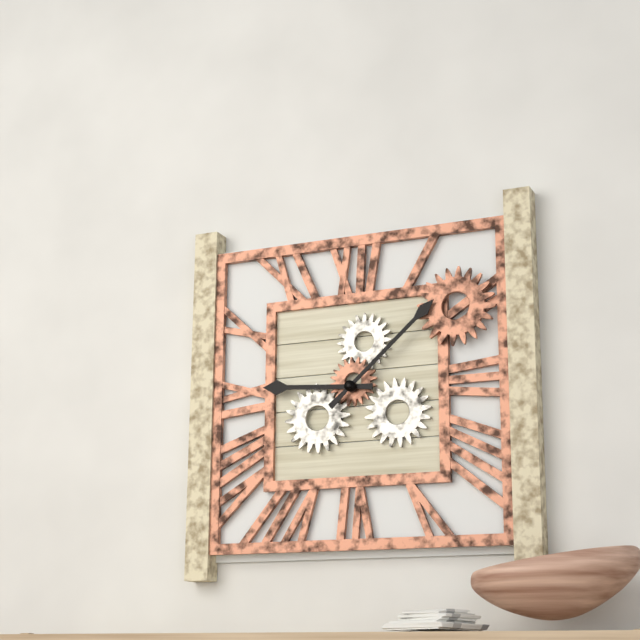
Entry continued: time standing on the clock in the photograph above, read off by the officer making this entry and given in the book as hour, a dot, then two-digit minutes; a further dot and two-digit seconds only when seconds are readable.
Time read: 9.08
